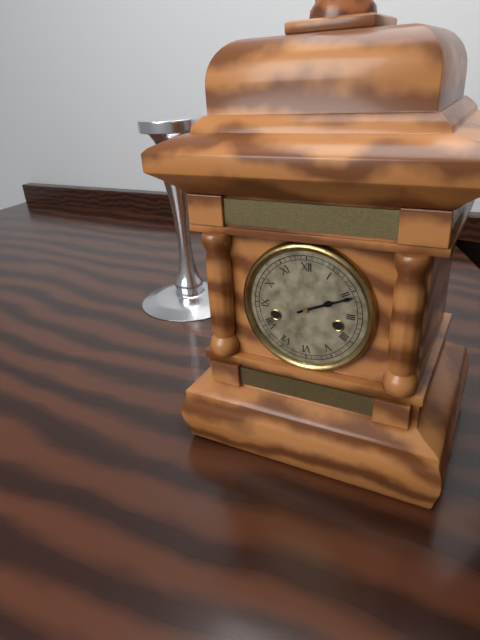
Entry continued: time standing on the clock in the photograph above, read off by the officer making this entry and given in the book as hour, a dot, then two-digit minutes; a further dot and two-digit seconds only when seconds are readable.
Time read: 2.11
